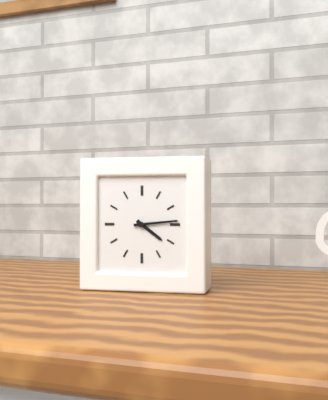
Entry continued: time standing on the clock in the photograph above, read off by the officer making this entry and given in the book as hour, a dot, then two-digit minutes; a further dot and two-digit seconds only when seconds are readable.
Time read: 4.14
